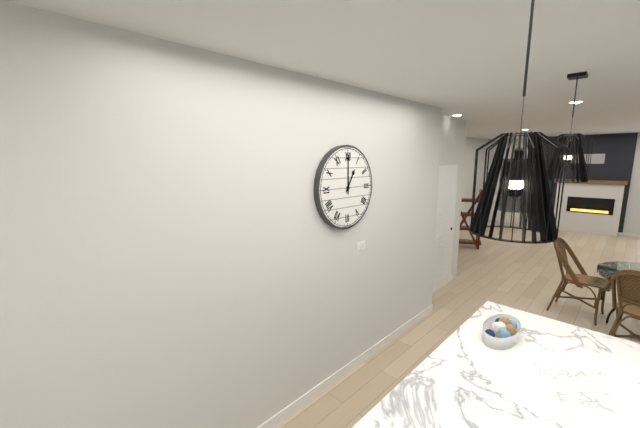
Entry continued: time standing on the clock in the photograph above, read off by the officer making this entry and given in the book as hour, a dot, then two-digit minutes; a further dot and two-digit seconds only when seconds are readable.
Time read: 1.00
